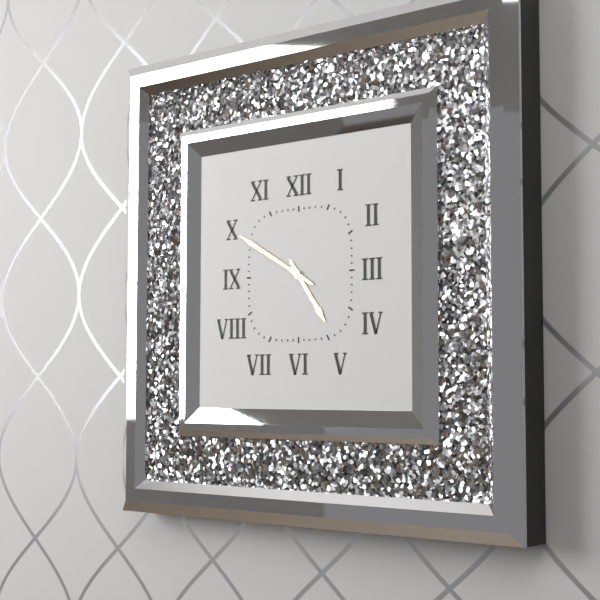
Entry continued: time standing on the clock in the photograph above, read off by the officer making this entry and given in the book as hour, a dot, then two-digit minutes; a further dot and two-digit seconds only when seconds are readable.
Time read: 4.50
